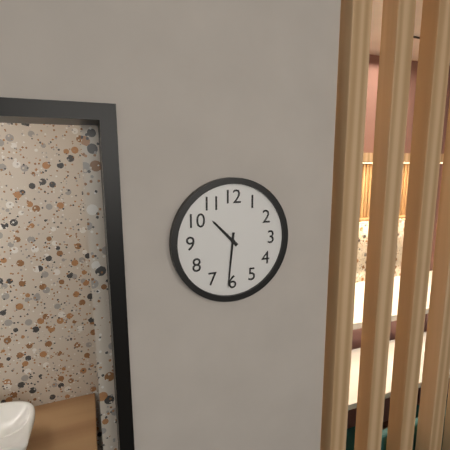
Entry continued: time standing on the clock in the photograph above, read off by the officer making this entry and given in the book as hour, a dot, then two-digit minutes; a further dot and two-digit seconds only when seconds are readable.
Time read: 10.31
